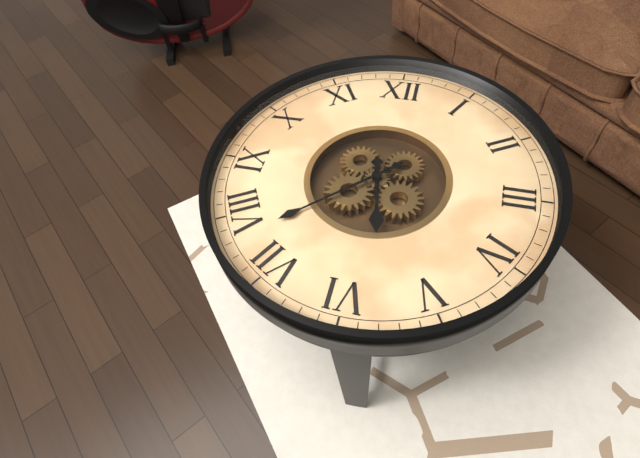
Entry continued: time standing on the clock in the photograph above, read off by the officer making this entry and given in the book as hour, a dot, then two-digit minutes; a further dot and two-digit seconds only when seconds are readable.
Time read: 5.38
